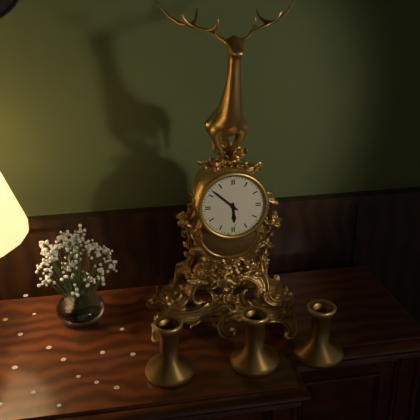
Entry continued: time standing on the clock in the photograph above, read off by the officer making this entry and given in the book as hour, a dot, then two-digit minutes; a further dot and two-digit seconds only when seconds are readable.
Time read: 5.52
